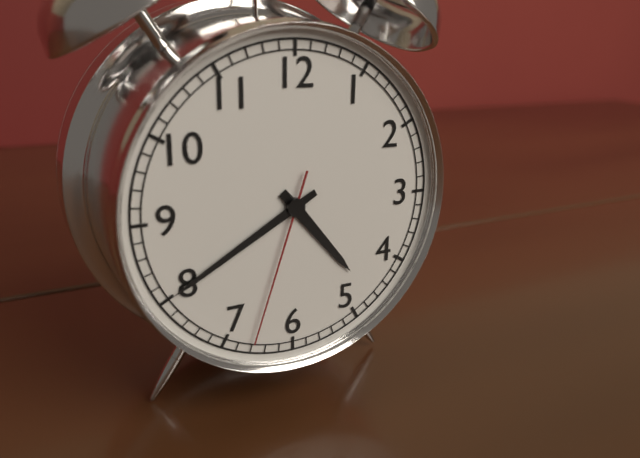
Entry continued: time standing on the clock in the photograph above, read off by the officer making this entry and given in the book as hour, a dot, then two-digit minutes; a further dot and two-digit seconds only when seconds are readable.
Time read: 4.40.33
